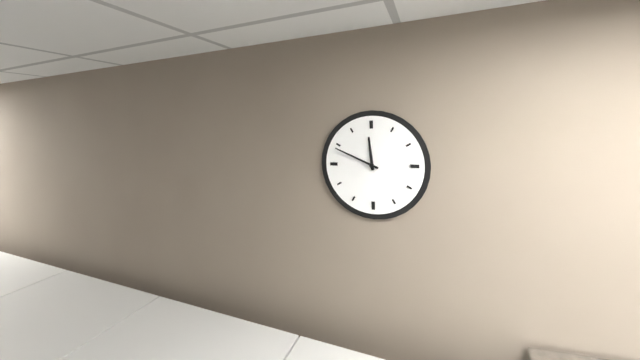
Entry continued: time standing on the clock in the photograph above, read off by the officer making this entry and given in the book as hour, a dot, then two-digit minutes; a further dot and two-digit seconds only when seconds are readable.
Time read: 11.49
